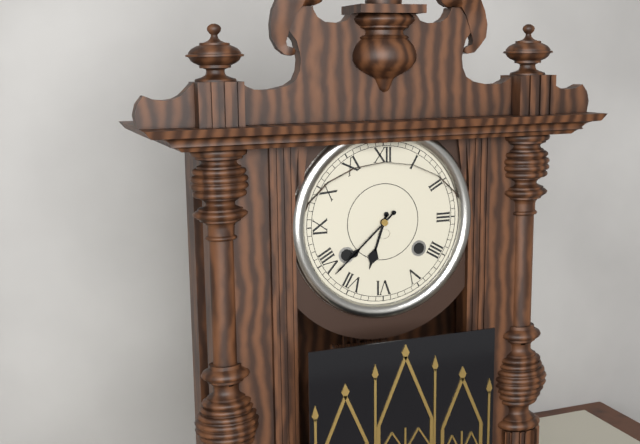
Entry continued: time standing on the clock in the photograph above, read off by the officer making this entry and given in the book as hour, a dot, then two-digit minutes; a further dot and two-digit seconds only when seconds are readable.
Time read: 6.38
